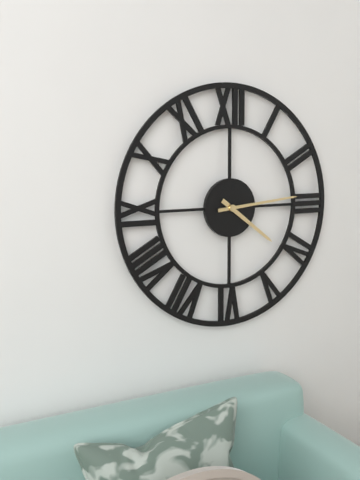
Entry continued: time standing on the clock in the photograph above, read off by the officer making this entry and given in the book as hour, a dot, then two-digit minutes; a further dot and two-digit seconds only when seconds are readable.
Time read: 4.14
